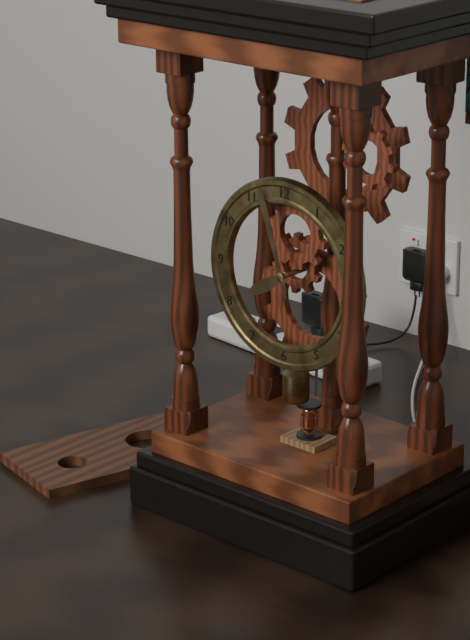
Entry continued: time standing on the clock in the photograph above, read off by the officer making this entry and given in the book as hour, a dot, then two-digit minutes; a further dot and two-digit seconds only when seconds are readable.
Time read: 7.57
